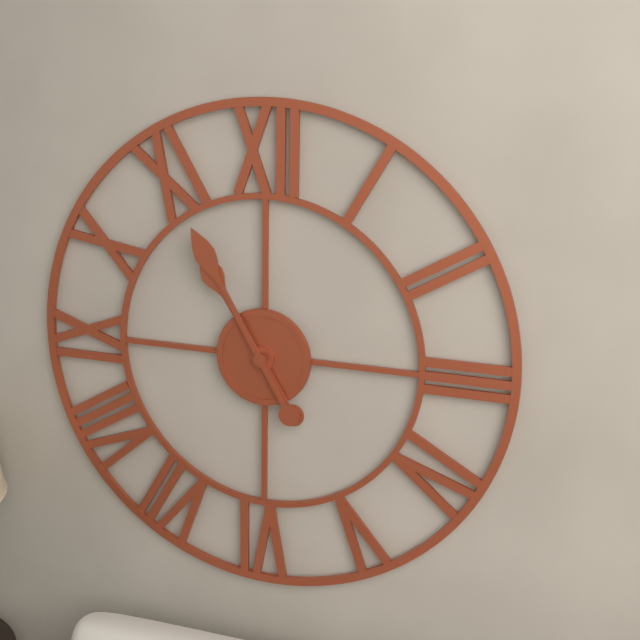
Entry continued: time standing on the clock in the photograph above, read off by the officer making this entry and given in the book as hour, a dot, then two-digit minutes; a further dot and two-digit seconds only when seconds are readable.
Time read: 10.55
